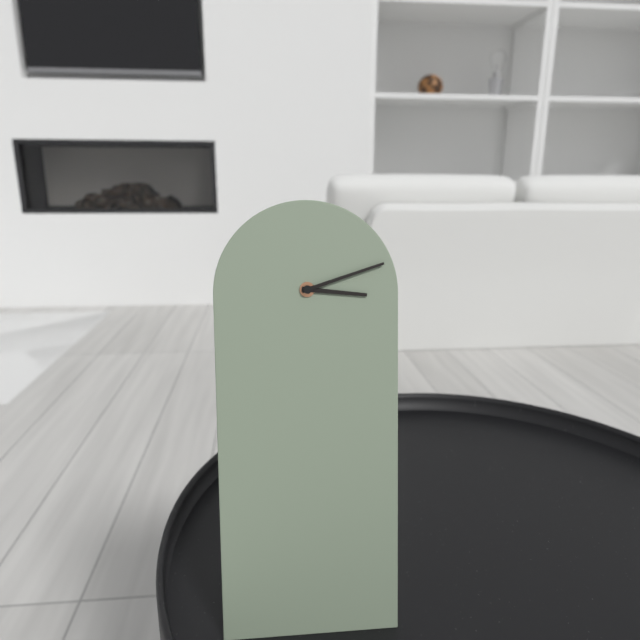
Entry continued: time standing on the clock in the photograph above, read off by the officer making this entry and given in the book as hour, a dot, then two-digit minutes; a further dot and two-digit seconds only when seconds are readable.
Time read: 3.12
